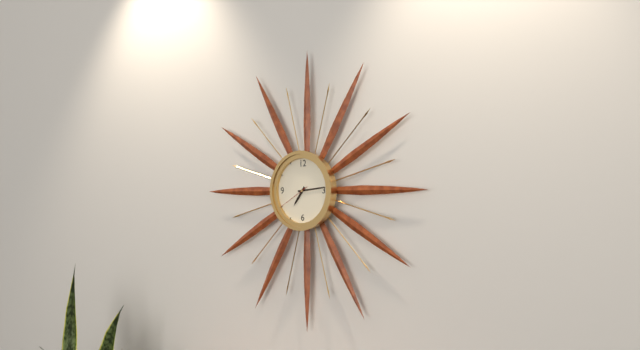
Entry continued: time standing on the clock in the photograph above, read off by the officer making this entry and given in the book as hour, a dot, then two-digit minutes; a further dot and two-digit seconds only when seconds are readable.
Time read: 7.14
